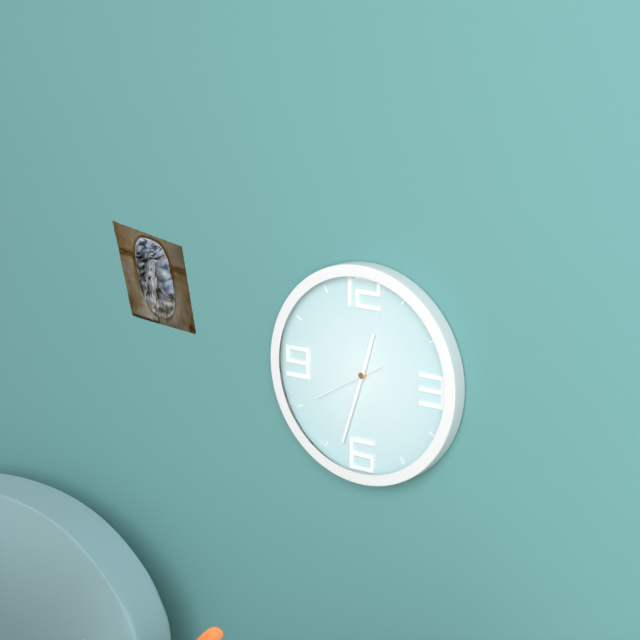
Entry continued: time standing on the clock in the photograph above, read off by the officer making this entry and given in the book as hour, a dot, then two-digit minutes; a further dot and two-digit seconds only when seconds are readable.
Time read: 12.33.40
